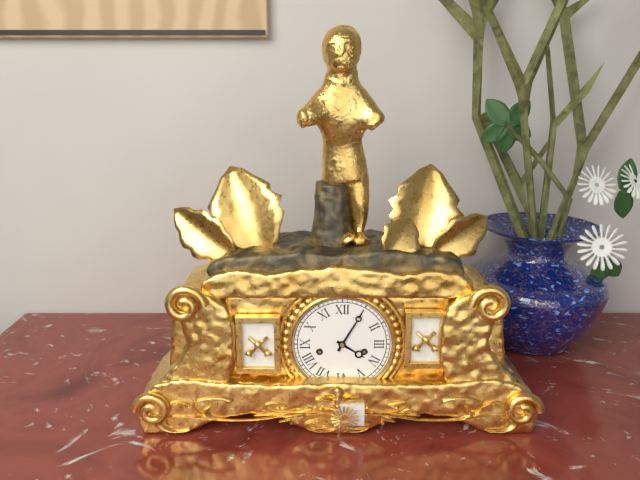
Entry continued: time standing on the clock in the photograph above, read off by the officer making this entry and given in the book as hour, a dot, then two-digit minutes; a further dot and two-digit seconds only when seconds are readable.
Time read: 4.05
